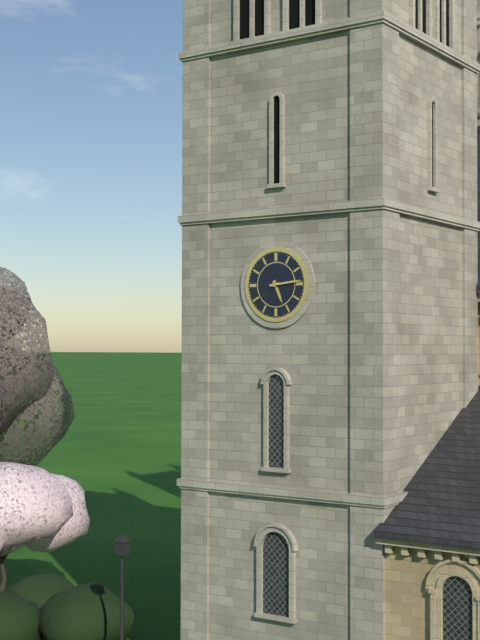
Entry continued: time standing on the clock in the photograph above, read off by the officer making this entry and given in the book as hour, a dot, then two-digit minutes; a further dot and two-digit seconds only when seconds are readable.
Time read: 5.14
